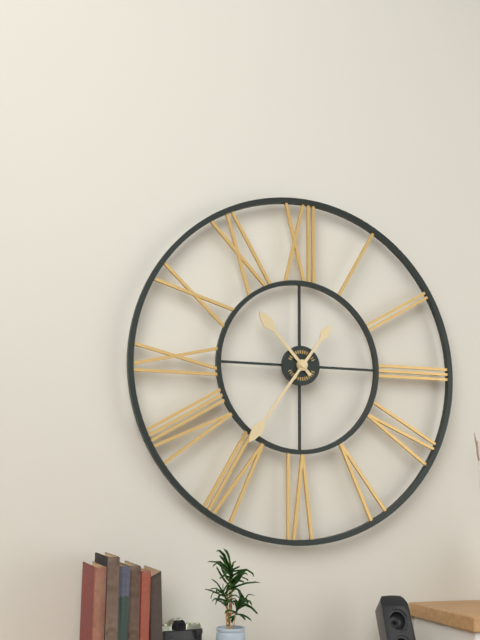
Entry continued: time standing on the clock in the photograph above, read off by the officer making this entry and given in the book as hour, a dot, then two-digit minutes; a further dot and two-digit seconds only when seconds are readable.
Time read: 10.36
